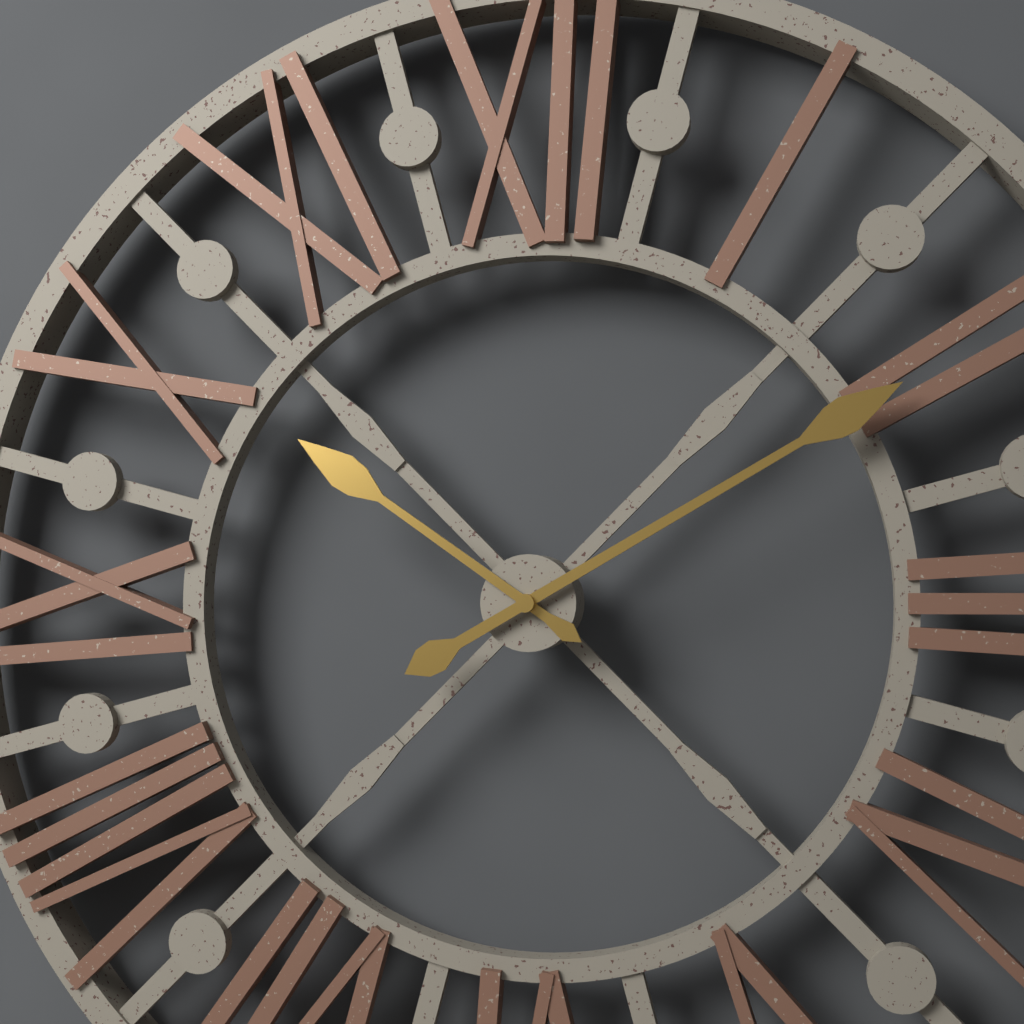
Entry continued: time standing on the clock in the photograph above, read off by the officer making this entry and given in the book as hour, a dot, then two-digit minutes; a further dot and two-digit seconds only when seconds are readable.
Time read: 10.10
